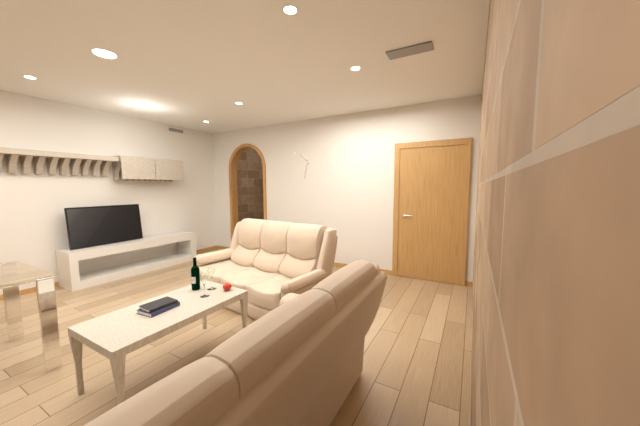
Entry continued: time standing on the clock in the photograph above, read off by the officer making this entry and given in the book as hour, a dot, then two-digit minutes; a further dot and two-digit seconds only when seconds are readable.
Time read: 10.32
